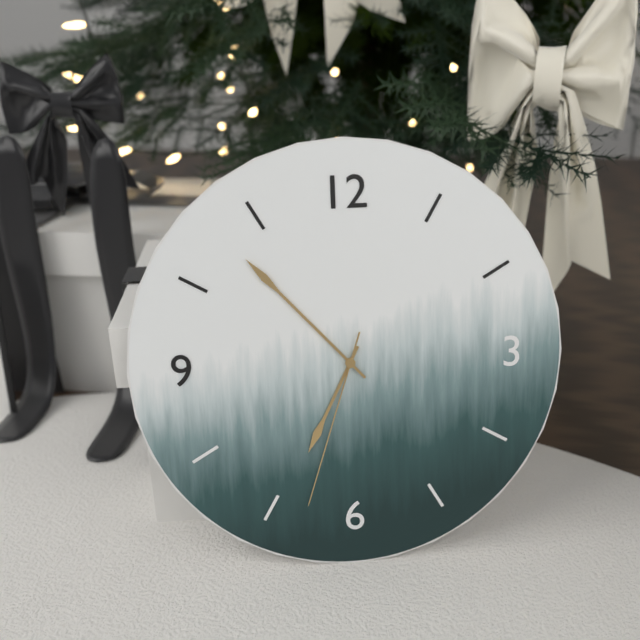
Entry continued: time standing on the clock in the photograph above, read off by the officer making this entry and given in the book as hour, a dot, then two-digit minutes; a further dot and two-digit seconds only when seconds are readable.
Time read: 6.53.33
